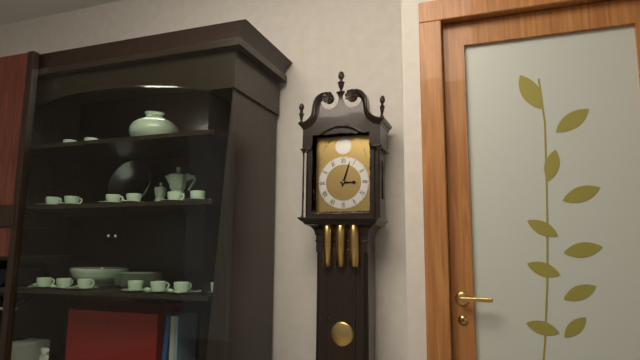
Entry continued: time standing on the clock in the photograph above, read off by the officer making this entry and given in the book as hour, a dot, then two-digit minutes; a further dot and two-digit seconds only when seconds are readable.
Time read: 3.03
